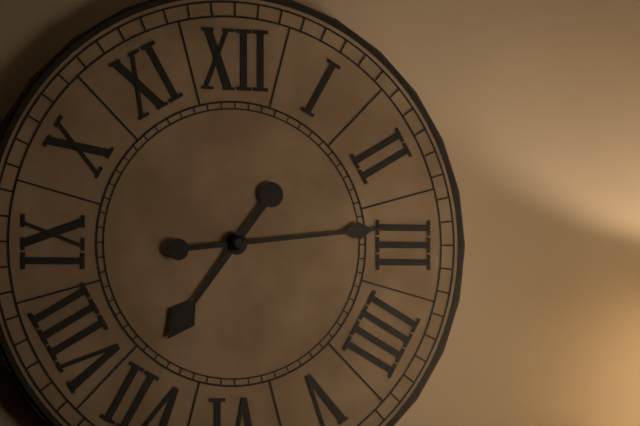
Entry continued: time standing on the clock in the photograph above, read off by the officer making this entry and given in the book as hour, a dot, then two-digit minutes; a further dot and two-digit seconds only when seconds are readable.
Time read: 7.14
